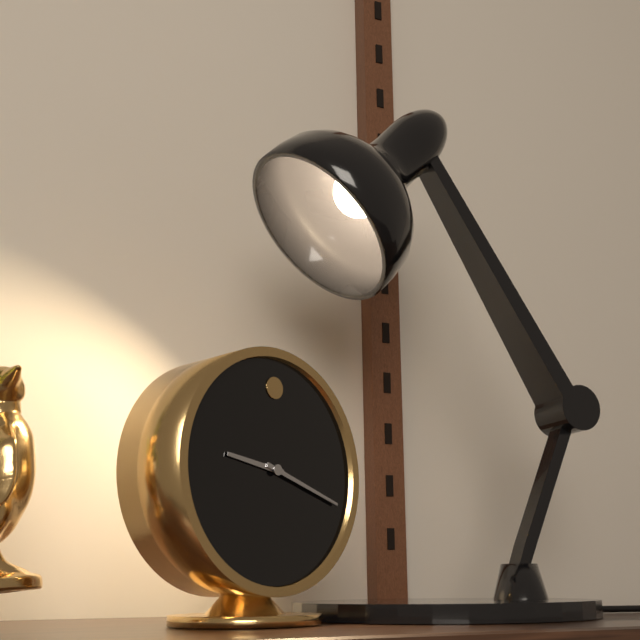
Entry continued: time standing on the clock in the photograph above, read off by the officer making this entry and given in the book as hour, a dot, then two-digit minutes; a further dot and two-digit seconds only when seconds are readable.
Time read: 9.18
